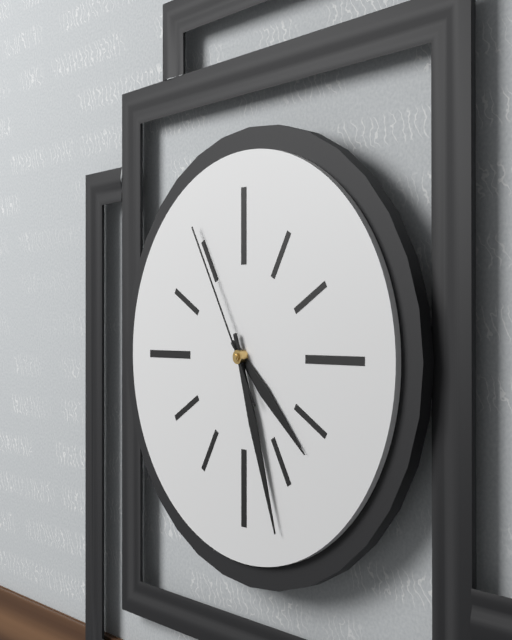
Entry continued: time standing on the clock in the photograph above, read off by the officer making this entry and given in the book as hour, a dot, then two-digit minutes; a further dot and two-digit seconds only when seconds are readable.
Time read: 4.27.55
